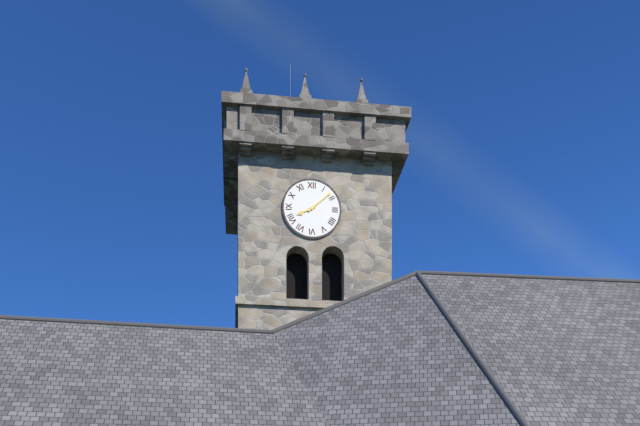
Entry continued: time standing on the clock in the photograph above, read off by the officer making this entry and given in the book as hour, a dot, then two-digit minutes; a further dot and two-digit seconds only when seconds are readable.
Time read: 8.08
